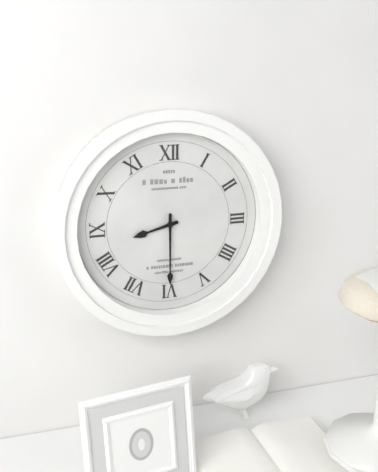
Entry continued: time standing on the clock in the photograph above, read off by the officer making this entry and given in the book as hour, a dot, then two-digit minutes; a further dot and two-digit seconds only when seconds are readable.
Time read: 8.30
